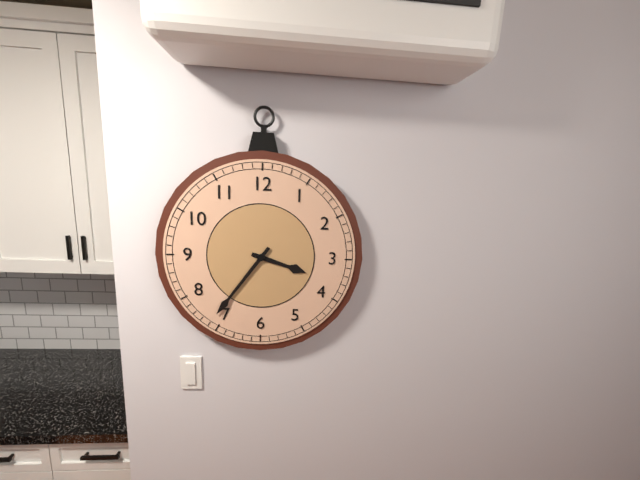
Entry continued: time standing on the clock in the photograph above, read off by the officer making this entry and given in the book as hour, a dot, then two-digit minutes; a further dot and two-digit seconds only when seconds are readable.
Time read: 3.36
